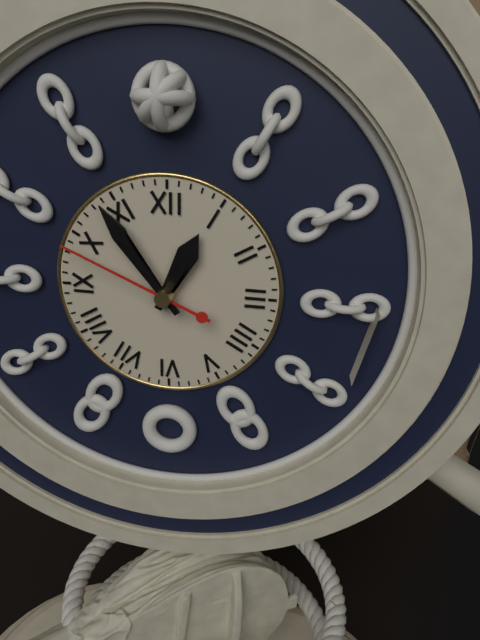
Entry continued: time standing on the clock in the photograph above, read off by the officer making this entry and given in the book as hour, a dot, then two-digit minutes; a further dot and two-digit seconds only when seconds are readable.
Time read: 12.54.49
